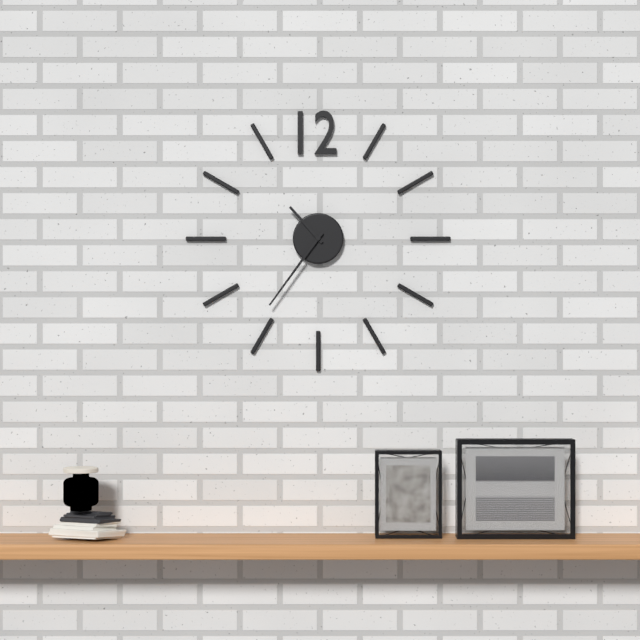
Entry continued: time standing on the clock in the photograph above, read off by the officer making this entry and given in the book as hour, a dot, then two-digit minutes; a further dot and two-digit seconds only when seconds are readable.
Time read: 10.36
